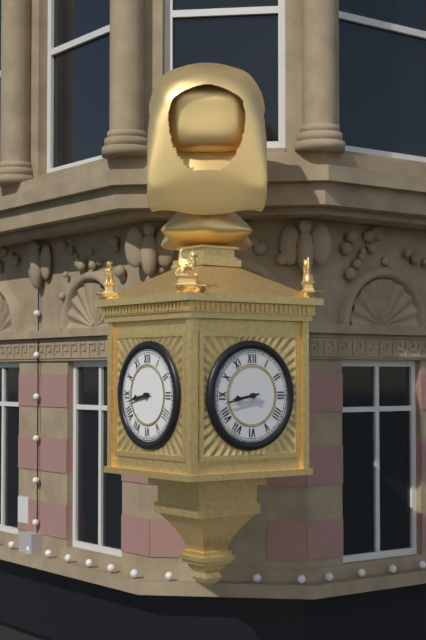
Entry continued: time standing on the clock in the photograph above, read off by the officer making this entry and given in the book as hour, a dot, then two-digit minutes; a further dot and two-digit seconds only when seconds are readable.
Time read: 8.43
